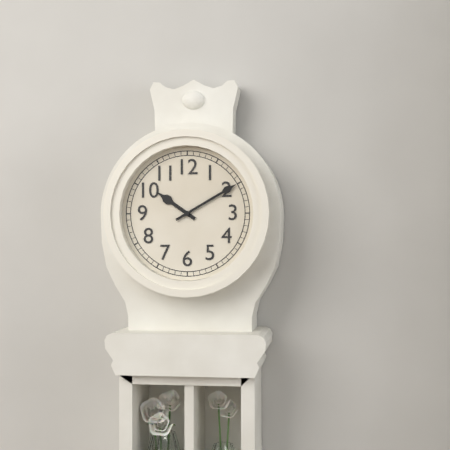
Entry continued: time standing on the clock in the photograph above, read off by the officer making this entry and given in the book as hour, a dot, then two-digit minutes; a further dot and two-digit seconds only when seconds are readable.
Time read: 10.10
